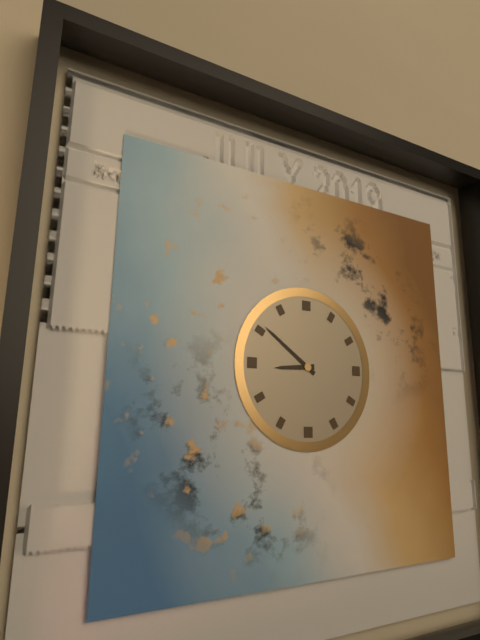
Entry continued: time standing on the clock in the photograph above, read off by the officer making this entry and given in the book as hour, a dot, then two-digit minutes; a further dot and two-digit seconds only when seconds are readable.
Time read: 8.51
